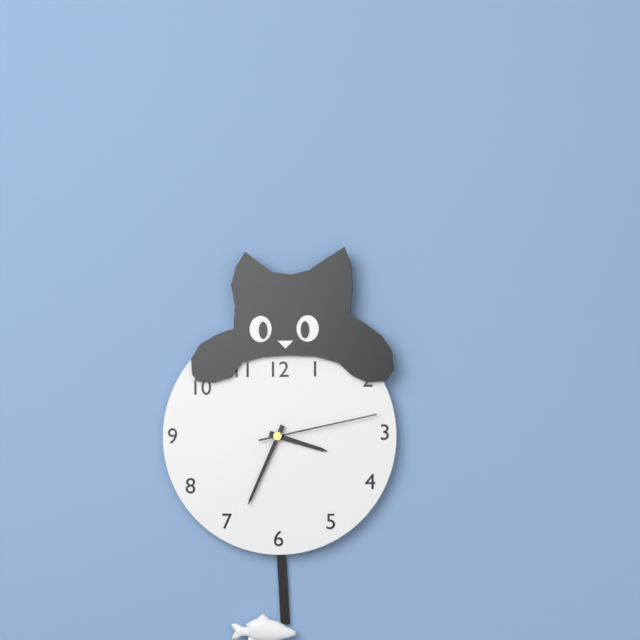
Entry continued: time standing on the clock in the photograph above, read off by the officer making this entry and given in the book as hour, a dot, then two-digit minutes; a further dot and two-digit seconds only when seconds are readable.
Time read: 3.34.13
